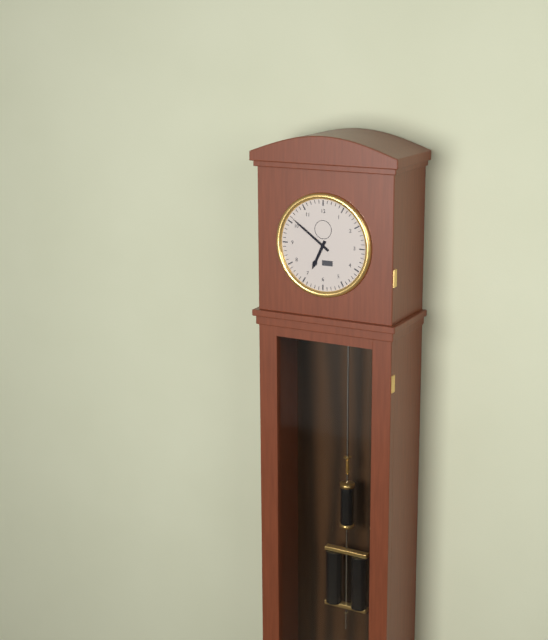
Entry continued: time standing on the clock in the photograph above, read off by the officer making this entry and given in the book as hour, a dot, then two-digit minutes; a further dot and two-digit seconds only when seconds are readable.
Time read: 6.51
